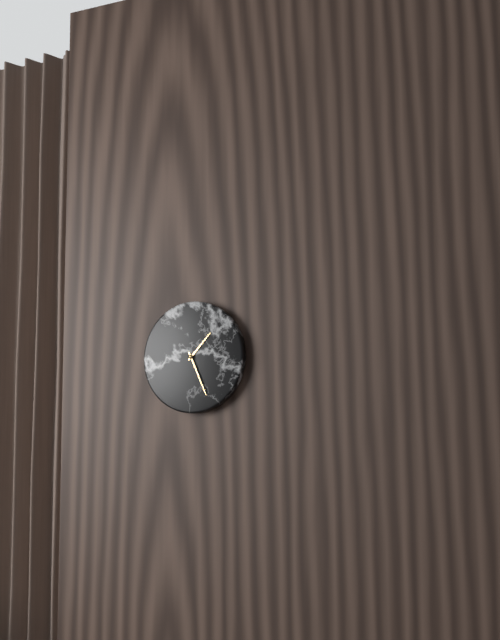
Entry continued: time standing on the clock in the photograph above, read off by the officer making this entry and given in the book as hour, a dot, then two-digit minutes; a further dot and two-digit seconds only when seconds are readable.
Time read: 1.26
